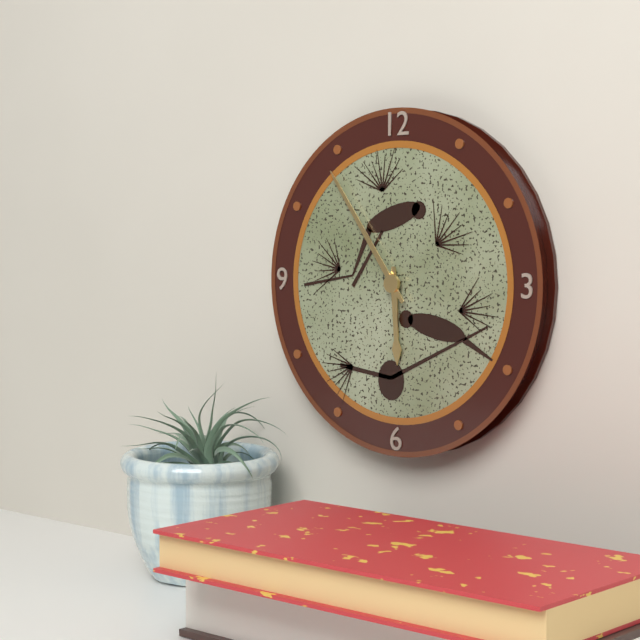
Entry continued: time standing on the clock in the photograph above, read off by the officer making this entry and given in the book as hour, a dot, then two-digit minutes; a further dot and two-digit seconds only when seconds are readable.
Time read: 5.54
